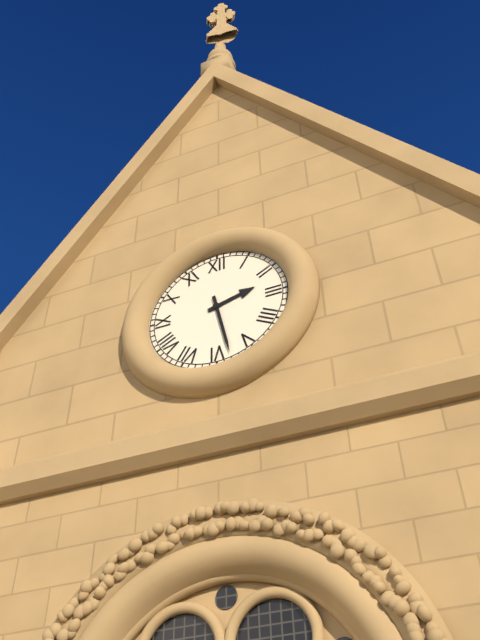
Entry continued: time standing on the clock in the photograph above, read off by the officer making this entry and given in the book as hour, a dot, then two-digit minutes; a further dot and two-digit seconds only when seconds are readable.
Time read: 2.28
